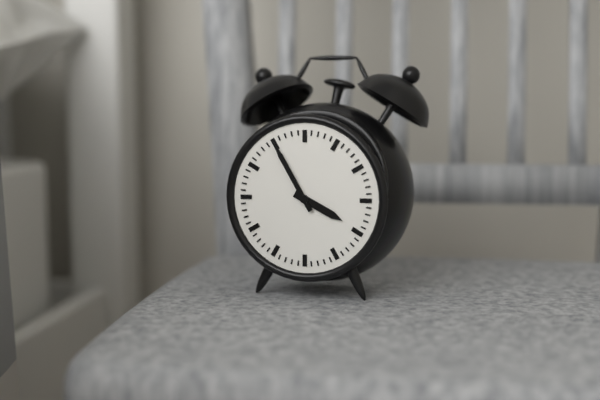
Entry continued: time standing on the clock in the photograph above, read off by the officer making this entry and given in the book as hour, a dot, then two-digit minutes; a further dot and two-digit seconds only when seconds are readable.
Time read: 3.55
